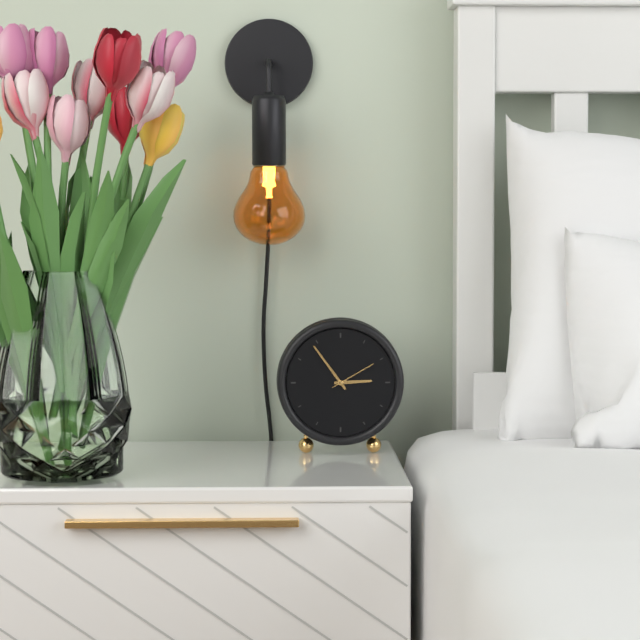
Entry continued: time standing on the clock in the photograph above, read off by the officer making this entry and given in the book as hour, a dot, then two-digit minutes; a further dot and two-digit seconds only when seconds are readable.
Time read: 2.54
